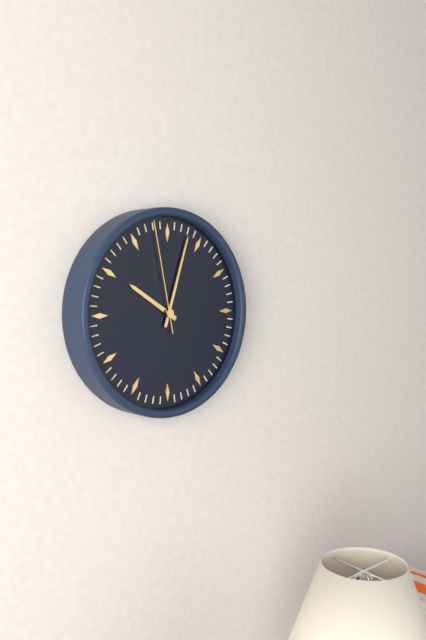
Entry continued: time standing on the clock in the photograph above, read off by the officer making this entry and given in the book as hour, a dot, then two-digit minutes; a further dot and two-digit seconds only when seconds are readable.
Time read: 10.03.58
